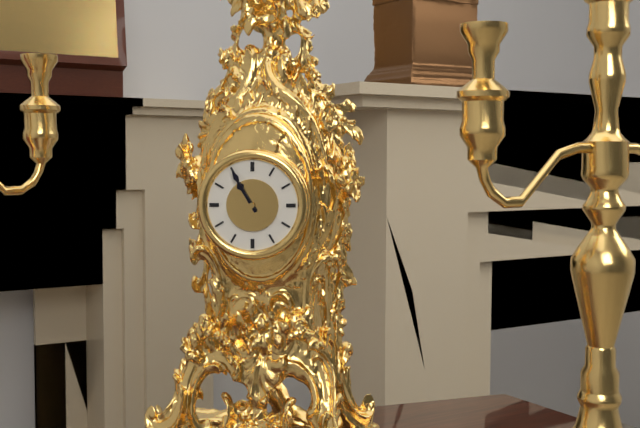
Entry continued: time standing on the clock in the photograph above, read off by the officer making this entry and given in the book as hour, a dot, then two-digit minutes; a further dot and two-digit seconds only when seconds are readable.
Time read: 10.55
